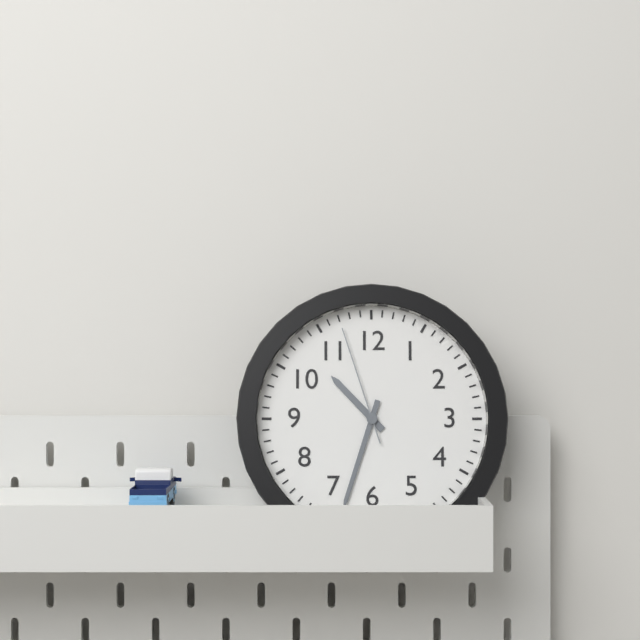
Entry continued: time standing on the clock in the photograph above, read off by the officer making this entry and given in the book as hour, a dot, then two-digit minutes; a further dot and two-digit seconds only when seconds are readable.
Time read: 10.33.57
